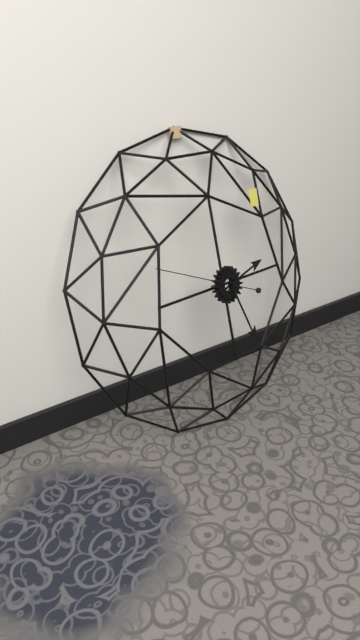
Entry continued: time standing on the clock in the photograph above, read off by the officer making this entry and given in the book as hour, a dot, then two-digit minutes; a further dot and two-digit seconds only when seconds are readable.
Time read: 2.27.49
